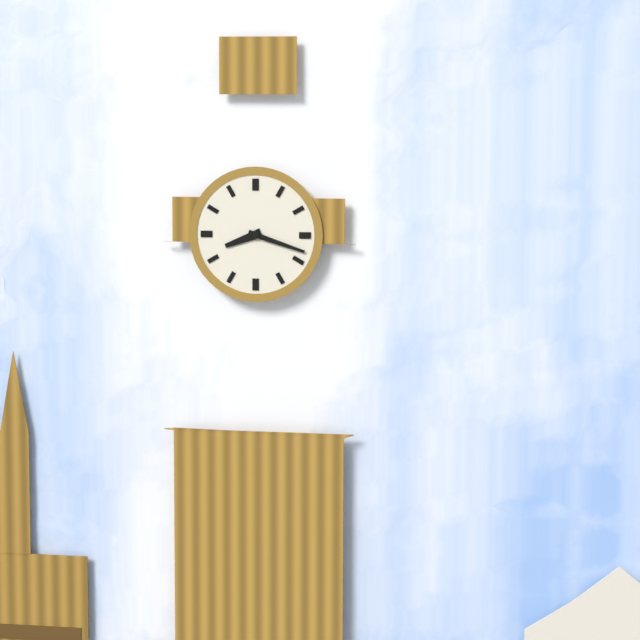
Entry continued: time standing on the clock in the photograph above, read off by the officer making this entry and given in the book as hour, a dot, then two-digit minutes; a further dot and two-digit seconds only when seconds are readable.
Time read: 8.18
